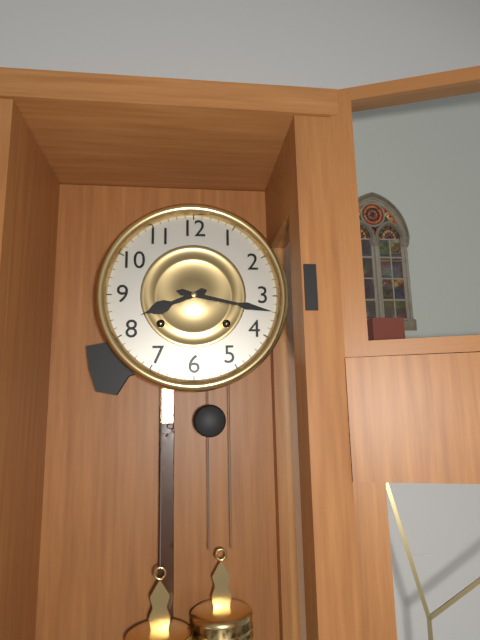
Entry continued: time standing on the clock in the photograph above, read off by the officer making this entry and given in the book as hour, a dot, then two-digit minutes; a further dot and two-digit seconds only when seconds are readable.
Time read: 8.17
